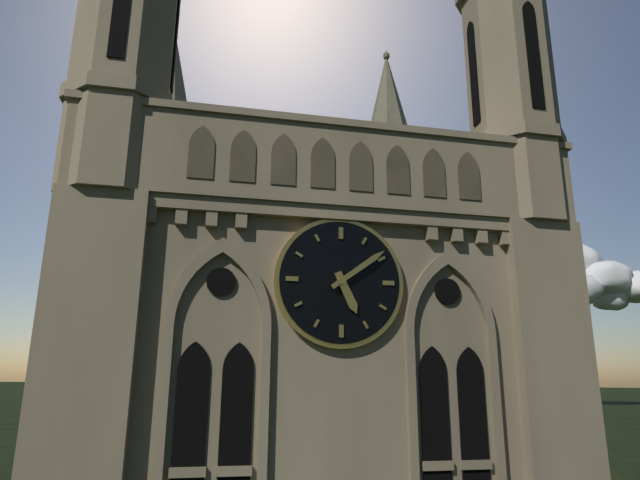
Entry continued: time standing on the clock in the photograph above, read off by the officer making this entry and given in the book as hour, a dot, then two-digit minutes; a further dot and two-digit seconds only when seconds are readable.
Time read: 5.09
